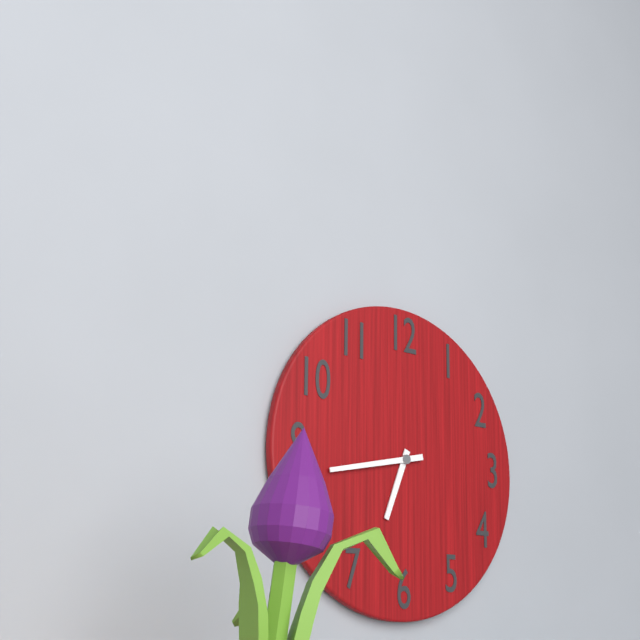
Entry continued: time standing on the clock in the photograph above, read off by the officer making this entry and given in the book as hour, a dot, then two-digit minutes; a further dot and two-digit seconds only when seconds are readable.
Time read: 6.43
